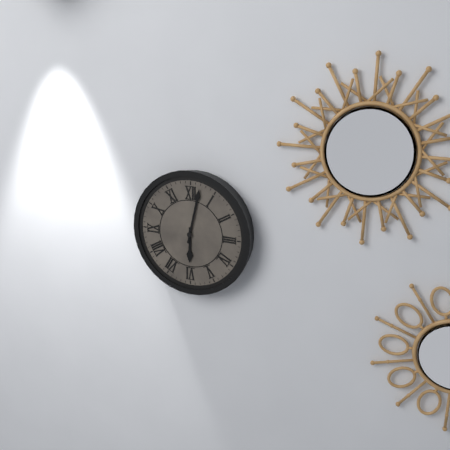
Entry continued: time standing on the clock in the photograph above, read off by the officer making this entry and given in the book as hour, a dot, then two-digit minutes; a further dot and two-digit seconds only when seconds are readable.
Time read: 6.02
